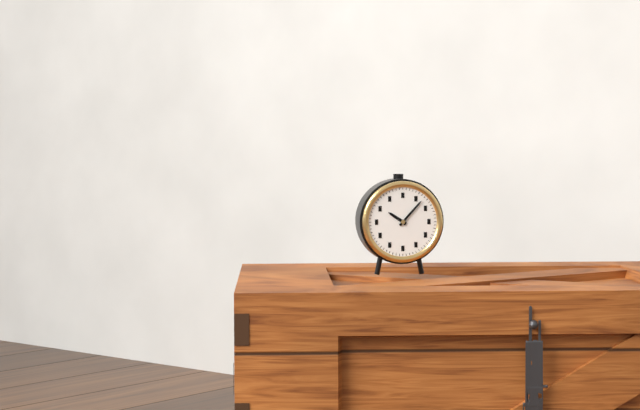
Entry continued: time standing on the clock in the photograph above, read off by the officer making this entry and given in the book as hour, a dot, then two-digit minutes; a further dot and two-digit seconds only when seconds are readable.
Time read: 10.07
